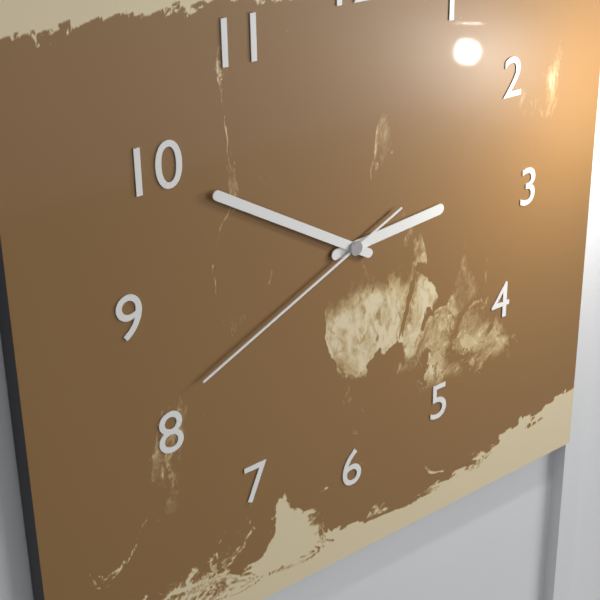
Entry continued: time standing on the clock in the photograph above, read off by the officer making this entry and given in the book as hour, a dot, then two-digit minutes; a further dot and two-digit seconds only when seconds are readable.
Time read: 2.50.41
